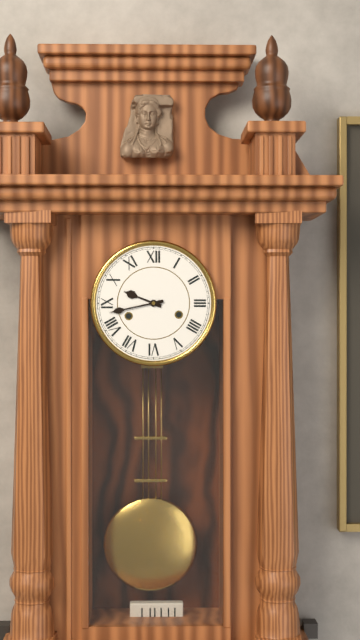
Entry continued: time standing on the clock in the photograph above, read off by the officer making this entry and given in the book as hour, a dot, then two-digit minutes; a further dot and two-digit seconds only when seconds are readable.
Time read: 9.43
